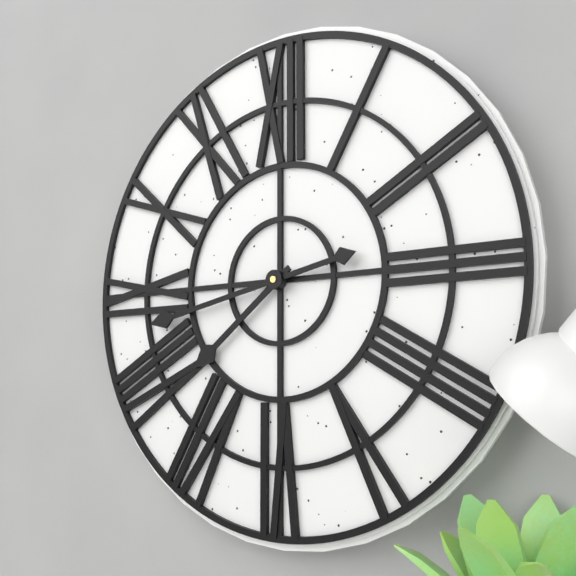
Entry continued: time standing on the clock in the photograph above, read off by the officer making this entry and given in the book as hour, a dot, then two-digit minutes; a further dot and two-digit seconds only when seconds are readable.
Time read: 7.43
